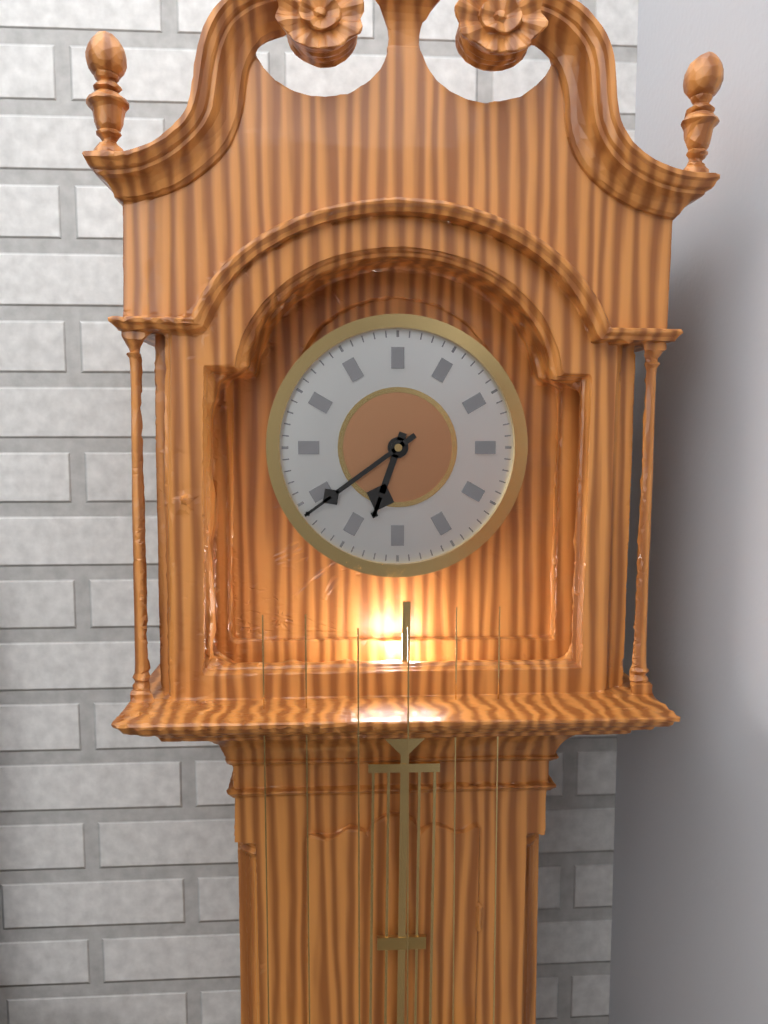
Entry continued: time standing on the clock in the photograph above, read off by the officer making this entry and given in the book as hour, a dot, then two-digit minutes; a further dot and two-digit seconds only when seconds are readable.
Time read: 6.39
